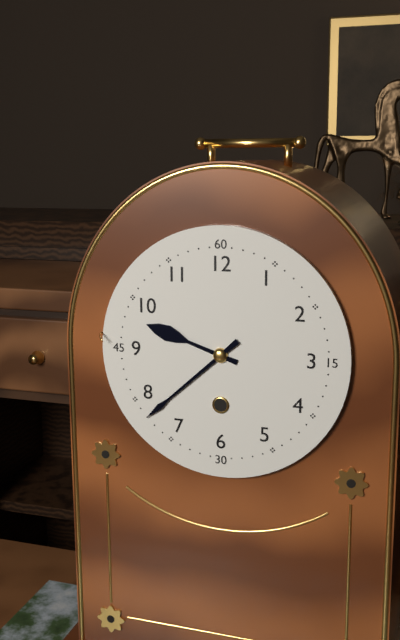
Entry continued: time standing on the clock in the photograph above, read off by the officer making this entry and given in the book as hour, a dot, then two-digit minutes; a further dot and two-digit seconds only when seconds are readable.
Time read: 9.38
